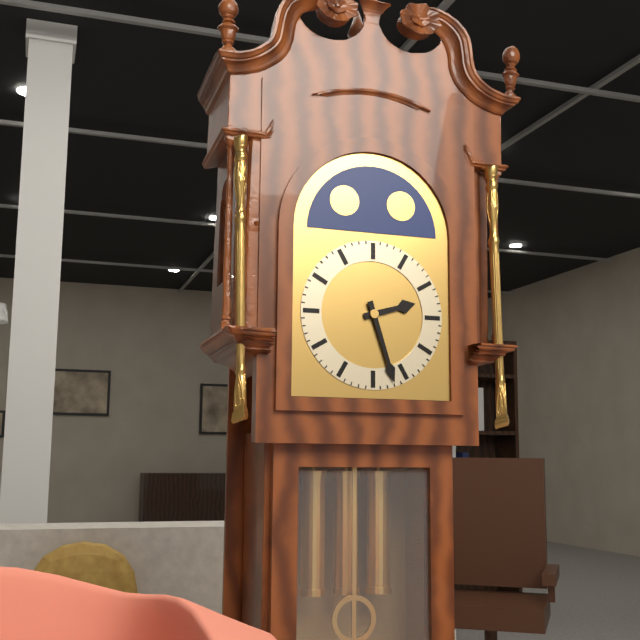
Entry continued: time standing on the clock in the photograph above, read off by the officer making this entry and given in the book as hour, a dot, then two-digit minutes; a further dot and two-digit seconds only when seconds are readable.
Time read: 2.27
